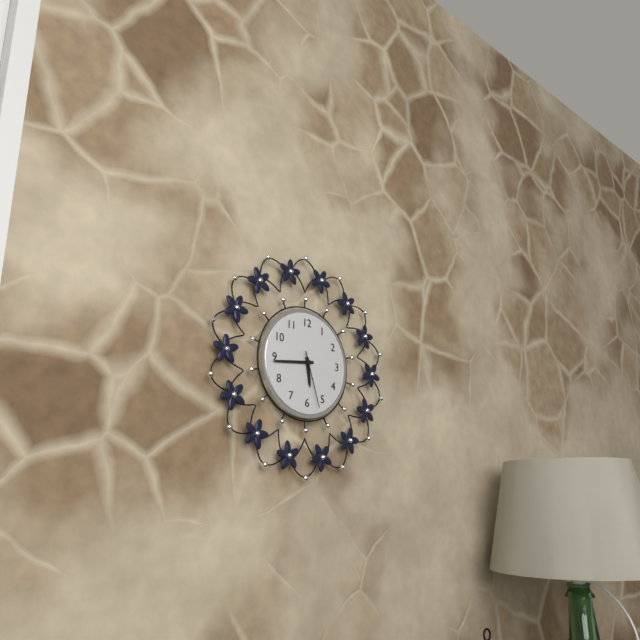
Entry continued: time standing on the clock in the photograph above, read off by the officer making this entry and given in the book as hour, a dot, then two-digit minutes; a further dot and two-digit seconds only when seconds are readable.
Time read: 5.44.27
